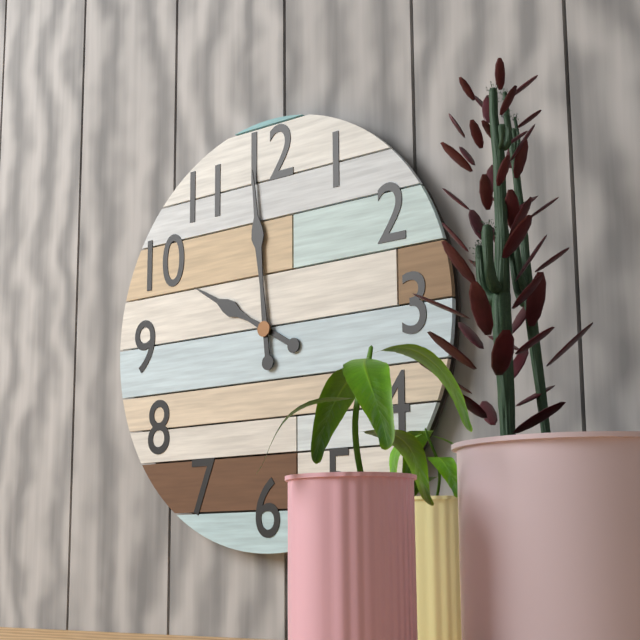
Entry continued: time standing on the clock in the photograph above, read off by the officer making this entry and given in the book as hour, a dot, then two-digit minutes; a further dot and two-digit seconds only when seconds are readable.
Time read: 9.59
